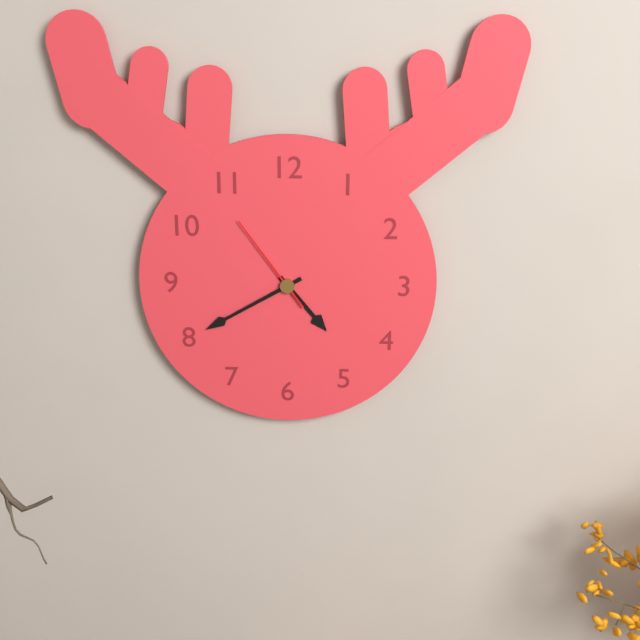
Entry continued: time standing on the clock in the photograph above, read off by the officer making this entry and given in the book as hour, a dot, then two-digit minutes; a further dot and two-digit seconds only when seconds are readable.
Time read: 4.40.54
